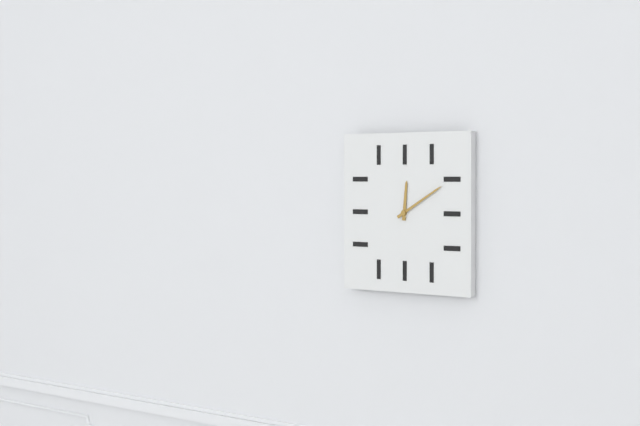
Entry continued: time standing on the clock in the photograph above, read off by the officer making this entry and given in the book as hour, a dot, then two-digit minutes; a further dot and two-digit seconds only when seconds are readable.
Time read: 12.10
